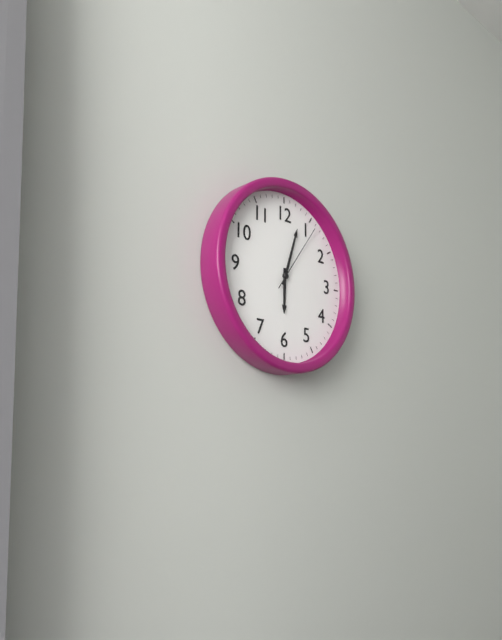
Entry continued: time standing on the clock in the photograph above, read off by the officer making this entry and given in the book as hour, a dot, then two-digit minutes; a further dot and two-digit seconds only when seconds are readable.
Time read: 6.03.06
